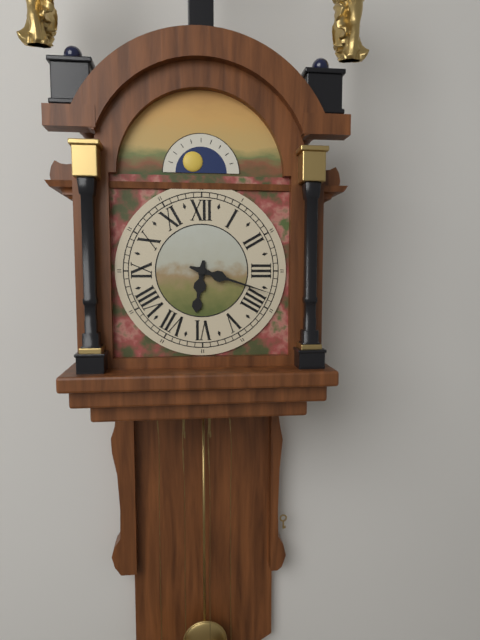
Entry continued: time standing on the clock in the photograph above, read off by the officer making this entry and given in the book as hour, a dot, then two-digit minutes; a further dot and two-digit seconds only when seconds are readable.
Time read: 6.18
